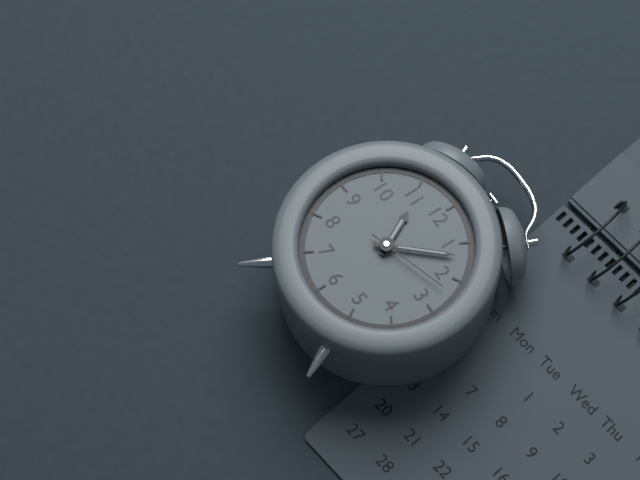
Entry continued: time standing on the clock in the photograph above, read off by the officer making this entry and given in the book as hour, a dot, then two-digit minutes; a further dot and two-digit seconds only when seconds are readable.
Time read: 11.07.12
